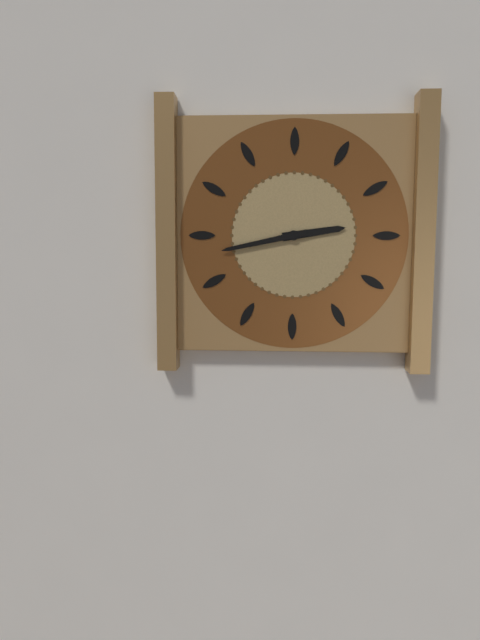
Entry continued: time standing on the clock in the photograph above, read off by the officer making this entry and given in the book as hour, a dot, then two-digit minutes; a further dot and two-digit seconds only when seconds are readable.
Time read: 2.43
